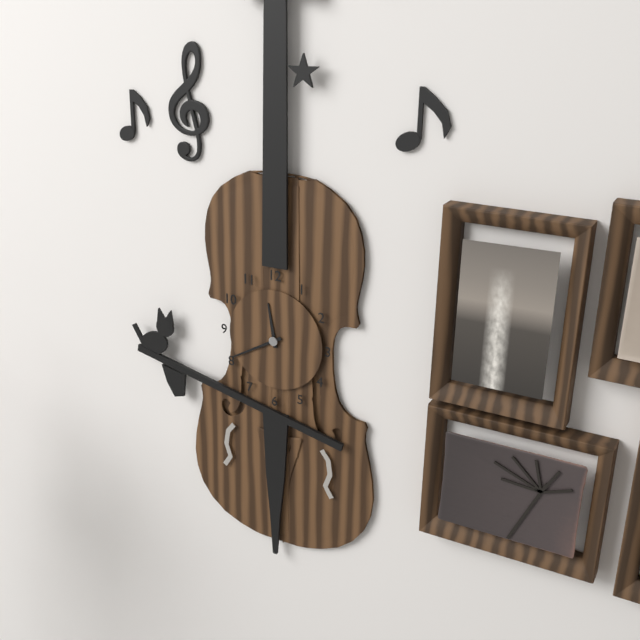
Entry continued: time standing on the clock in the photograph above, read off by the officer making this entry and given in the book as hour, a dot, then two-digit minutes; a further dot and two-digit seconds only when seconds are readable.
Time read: 11.40
